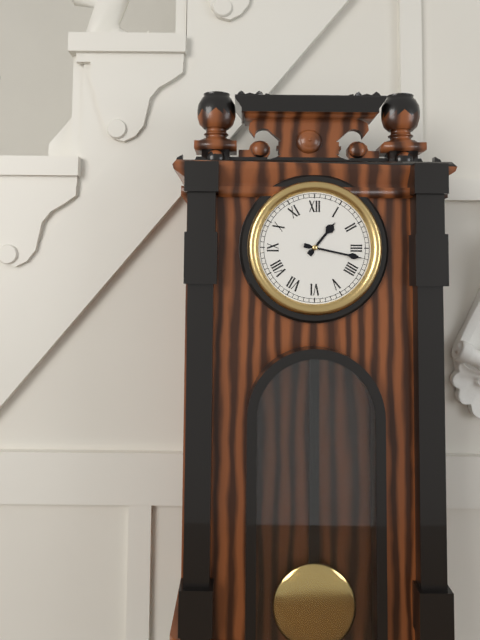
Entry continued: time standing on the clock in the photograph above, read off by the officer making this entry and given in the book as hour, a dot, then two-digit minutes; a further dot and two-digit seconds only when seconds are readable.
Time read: 1.17
